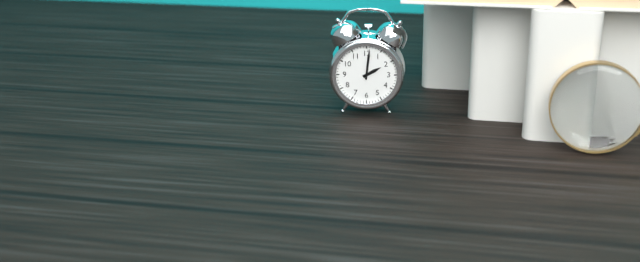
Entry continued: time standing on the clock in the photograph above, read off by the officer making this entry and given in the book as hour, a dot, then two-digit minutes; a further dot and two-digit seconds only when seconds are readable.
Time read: 2.01
